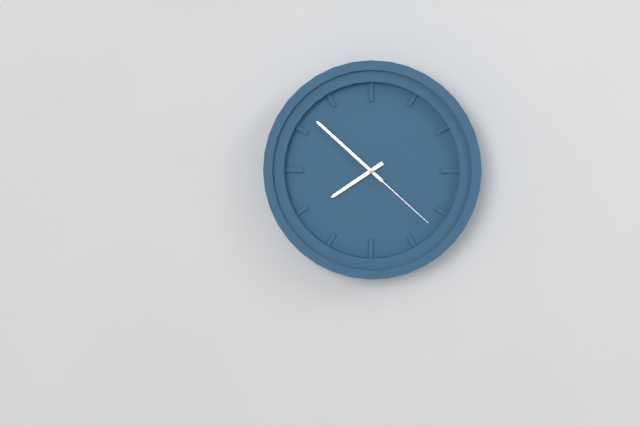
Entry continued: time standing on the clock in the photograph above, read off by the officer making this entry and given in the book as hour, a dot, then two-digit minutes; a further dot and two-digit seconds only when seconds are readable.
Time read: 7.52.22
